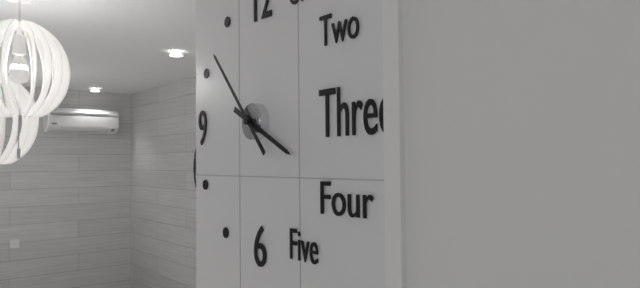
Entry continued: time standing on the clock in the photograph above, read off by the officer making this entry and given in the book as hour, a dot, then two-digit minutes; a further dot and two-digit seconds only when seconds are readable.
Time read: 3.53
